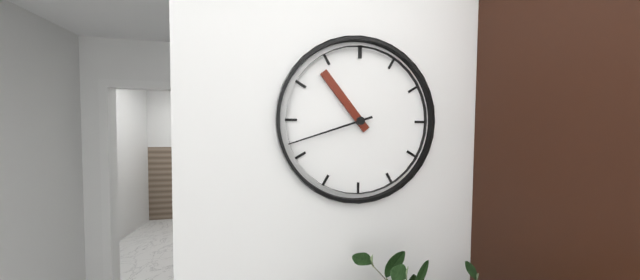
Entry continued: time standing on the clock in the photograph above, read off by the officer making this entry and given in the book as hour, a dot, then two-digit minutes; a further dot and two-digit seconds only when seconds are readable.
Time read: 10.42
